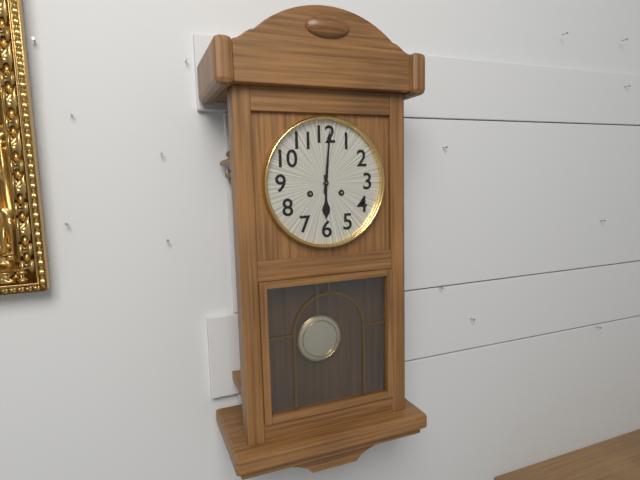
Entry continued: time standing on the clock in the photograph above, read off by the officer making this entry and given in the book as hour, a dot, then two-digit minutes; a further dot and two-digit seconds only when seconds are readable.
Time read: 6.01
